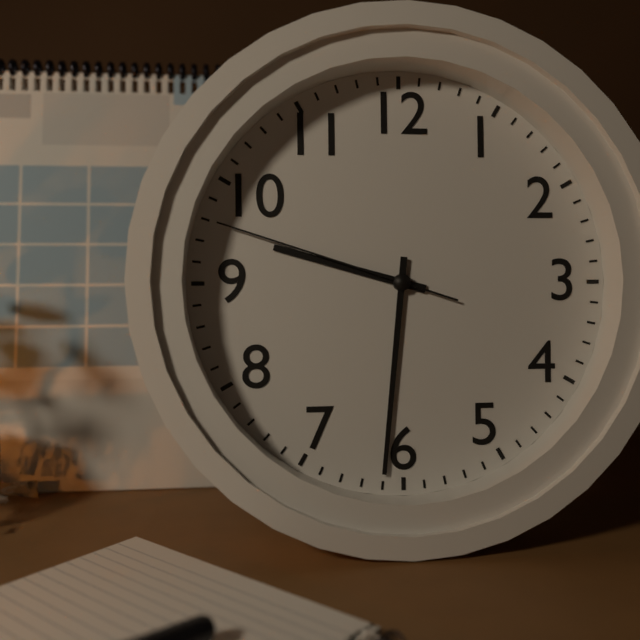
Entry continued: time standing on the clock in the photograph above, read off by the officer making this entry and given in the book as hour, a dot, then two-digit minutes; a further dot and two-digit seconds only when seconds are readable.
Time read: 9.31.48
